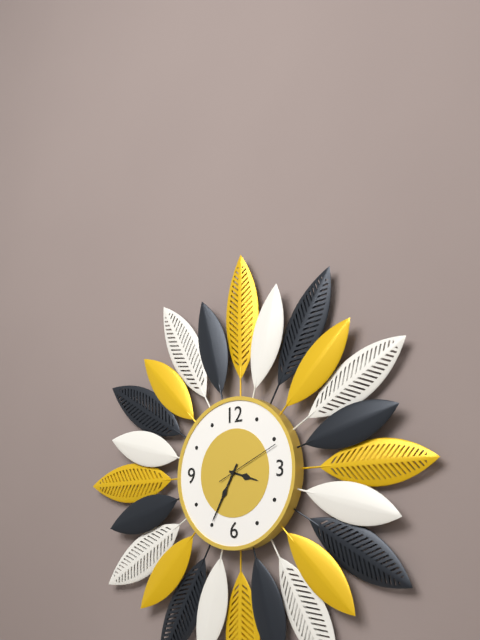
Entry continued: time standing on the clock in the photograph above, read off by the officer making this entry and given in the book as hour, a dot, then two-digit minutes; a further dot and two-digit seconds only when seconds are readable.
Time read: 3.35.11
